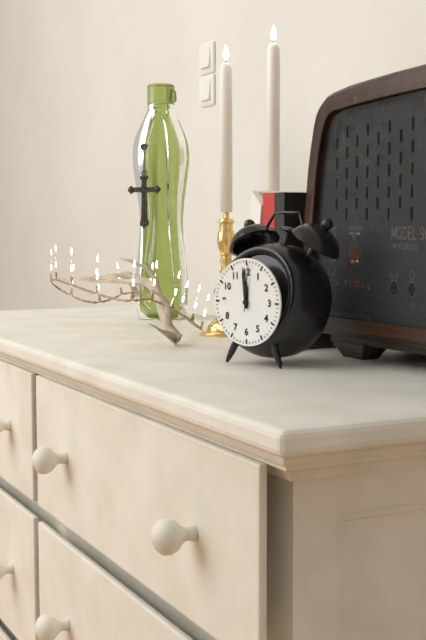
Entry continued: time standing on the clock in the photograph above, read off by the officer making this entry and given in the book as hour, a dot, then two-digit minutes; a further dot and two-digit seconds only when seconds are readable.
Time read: 11.59
